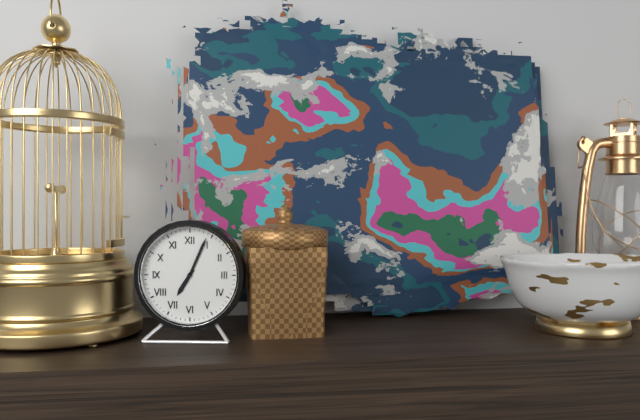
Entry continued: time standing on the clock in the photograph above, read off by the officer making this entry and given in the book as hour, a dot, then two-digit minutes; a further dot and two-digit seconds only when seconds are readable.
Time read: 7.04
